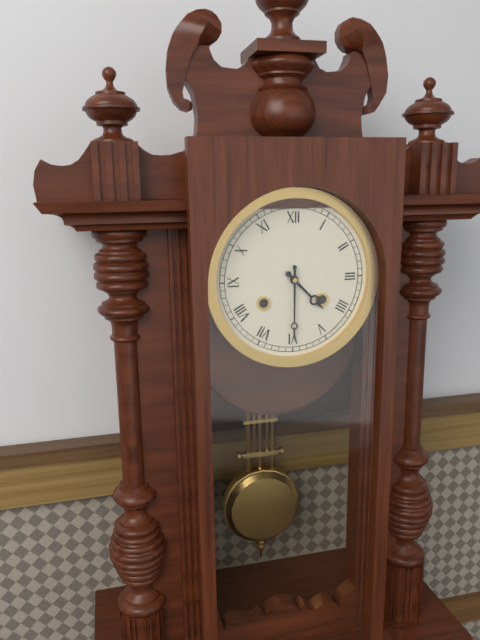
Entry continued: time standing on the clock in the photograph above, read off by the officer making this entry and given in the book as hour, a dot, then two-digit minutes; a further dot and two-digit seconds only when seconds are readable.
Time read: 4.30
